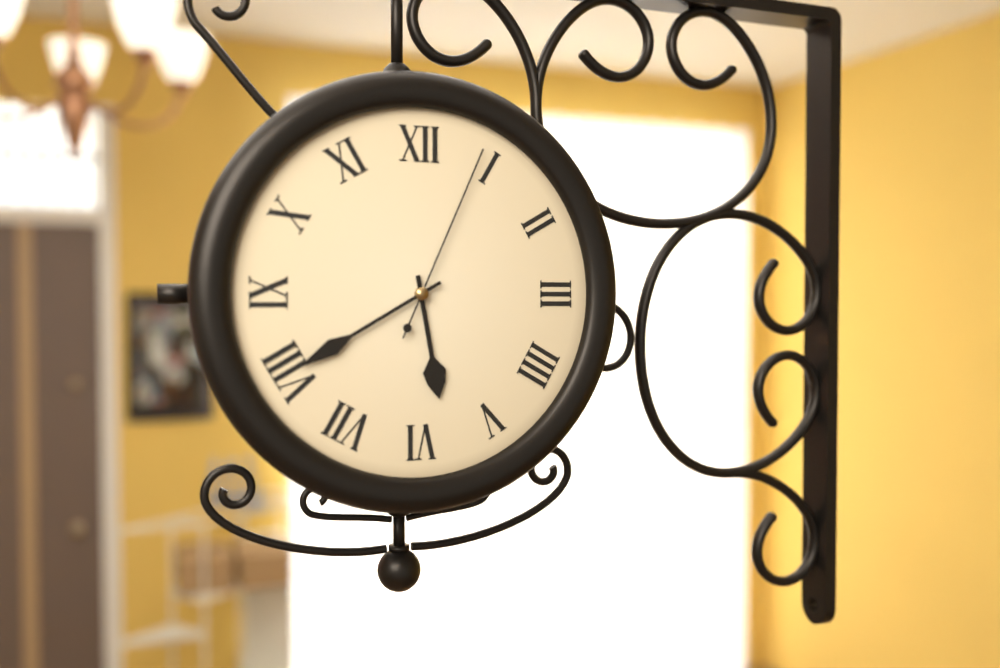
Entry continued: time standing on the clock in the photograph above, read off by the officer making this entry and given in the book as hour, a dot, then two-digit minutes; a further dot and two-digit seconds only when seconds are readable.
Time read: 5.40.04
